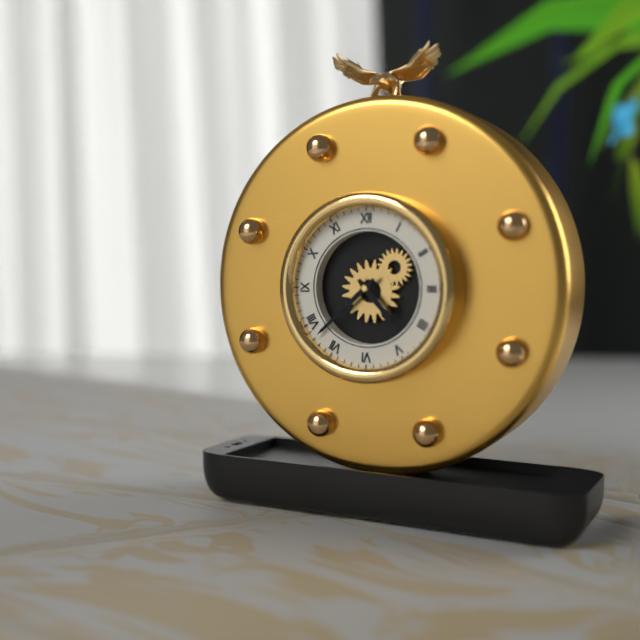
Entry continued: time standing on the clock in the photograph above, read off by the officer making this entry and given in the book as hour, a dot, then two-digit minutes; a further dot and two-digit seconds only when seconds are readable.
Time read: 4.38
